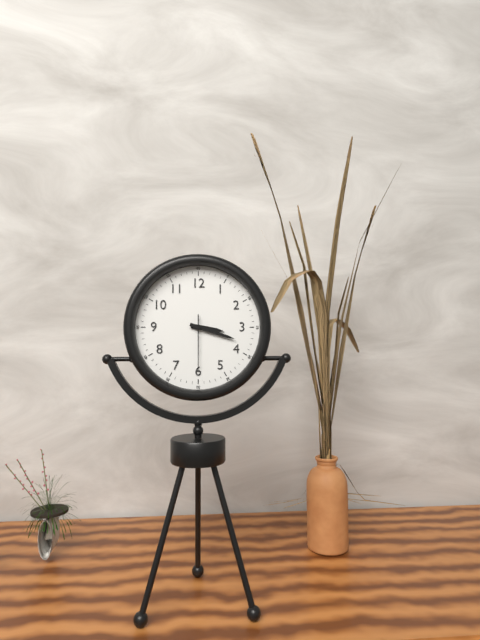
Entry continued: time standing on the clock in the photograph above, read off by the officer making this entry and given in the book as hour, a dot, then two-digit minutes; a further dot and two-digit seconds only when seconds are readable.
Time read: 3.18.30
